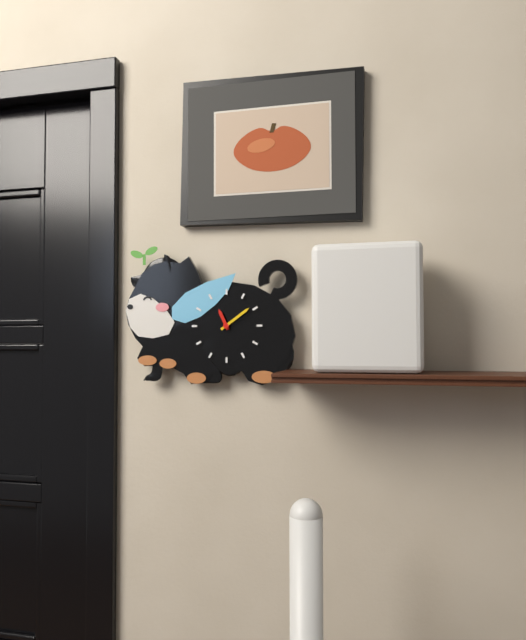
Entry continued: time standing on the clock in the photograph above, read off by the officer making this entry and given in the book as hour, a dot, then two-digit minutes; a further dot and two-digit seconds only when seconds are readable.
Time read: 11.09
